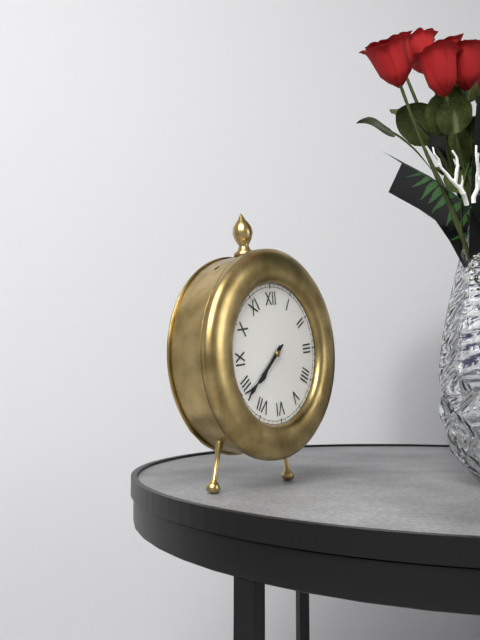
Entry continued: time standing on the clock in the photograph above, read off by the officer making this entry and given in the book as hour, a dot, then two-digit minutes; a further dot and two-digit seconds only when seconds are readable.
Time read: 7.39
